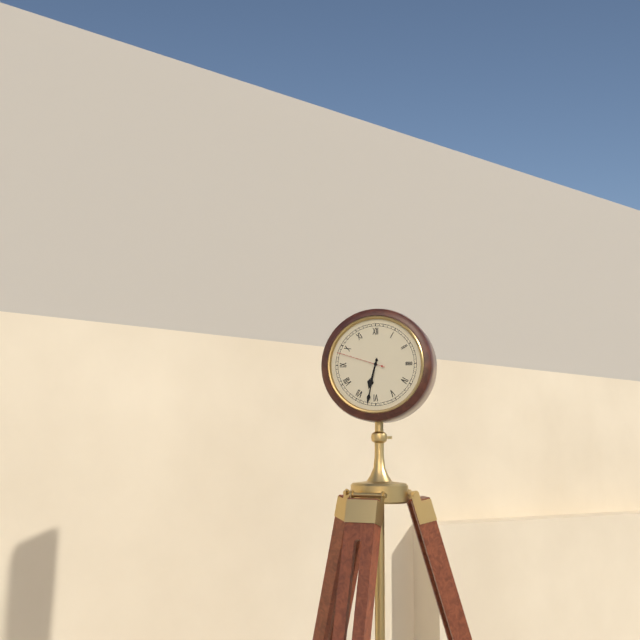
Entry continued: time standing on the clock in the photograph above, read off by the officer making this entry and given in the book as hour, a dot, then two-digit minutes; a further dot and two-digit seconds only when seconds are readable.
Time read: 6.32.48
